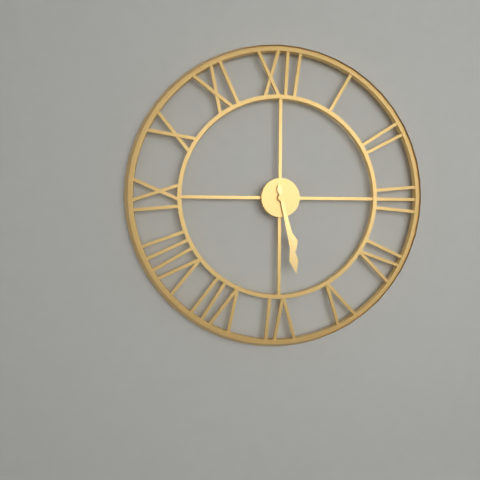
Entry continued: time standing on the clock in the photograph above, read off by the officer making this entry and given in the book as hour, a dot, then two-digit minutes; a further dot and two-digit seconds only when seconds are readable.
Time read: 5.28
